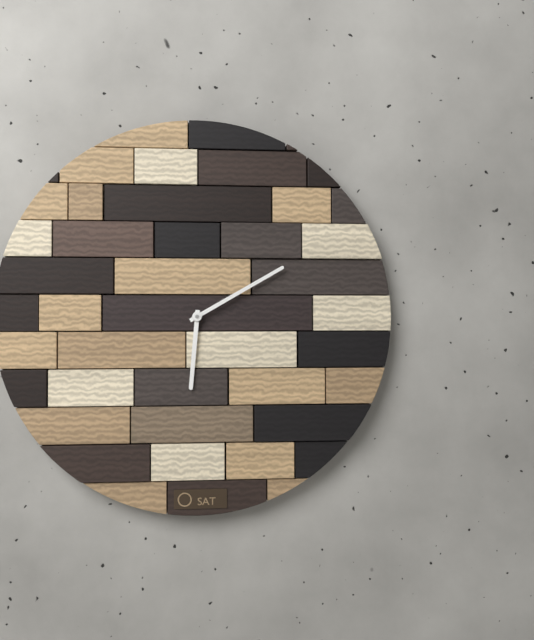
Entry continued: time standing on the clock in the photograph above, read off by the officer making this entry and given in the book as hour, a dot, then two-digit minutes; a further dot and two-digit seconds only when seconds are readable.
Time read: 6.10
